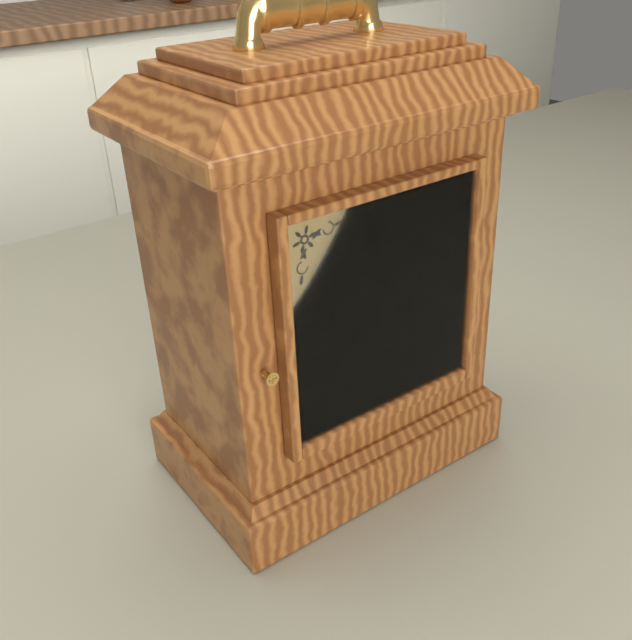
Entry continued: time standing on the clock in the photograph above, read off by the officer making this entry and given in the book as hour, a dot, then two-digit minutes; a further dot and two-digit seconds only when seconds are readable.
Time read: 5.02
